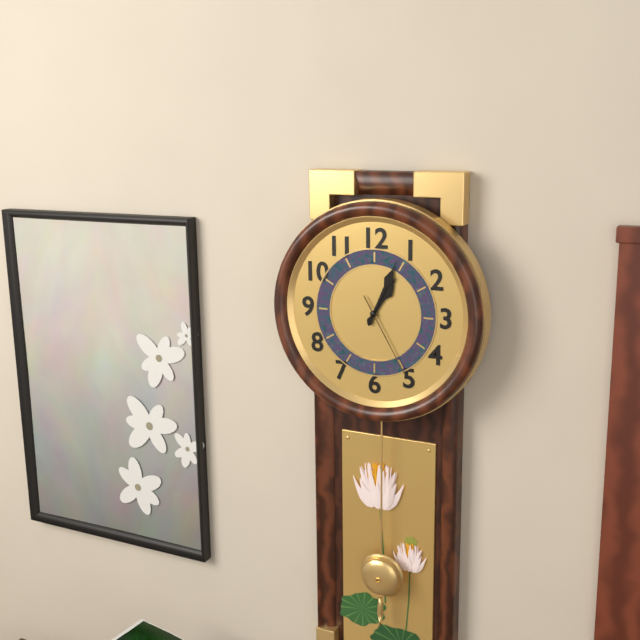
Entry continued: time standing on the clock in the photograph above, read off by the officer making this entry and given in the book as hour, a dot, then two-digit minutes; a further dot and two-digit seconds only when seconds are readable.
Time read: 1.04.25
